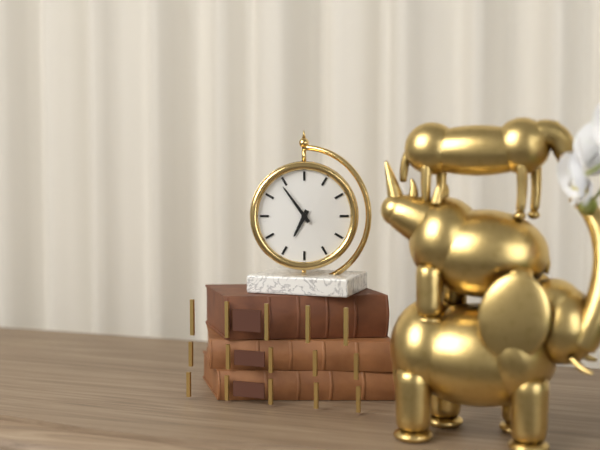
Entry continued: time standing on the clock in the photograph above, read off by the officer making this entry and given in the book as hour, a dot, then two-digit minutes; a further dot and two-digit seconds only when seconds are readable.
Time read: 6.54
